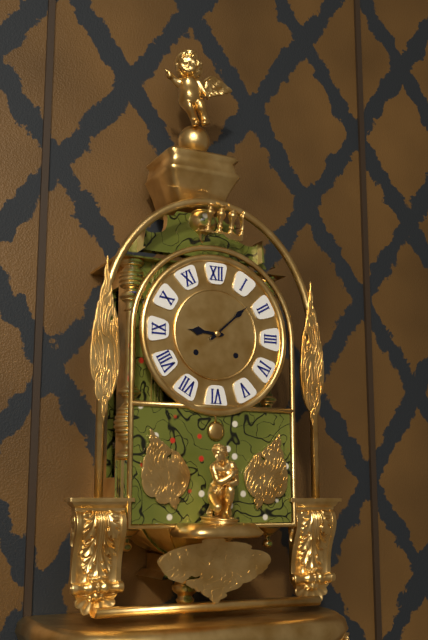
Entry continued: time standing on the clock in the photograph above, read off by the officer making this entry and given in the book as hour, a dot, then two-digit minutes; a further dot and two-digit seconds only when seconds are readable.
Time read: 9.08
